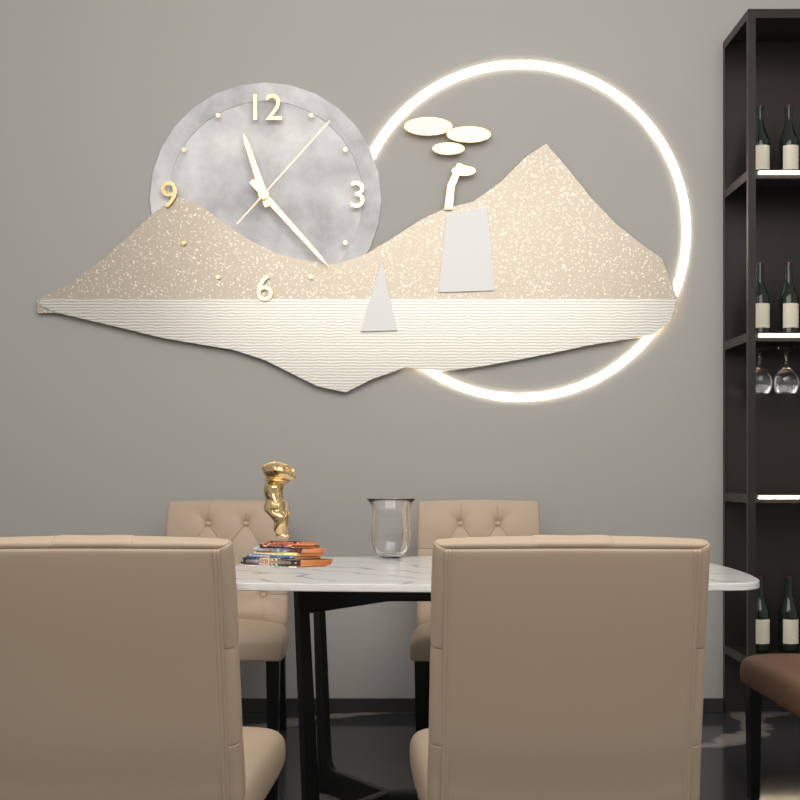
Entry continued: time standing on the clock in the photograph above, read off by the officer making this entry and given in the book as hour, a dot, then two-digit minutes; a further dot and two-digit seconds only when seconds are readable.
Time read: 11.23.07
